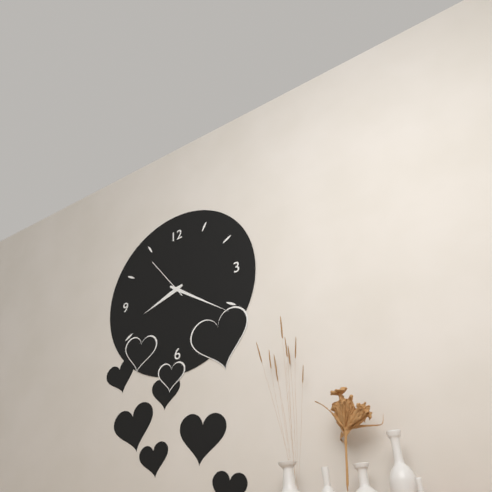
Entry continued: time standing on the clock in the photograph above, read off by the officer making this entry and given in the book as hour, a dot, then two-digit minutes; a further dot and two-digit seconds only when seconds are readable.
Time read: 8.21
